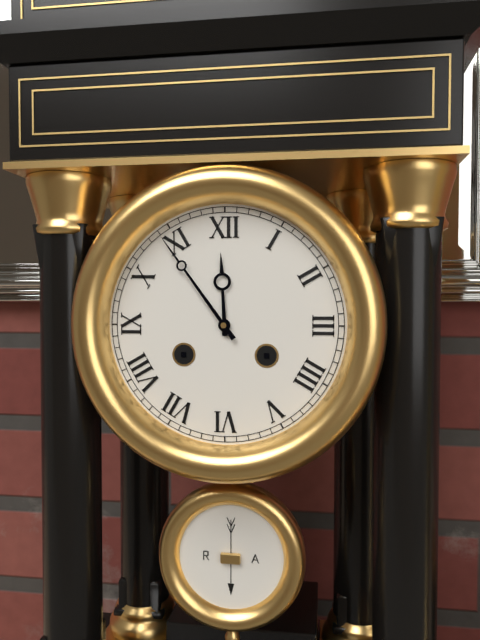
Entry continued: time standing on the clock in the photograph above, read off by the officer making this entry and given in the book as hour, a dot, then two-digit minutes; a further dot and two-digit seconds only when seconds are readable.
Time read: 11.54
